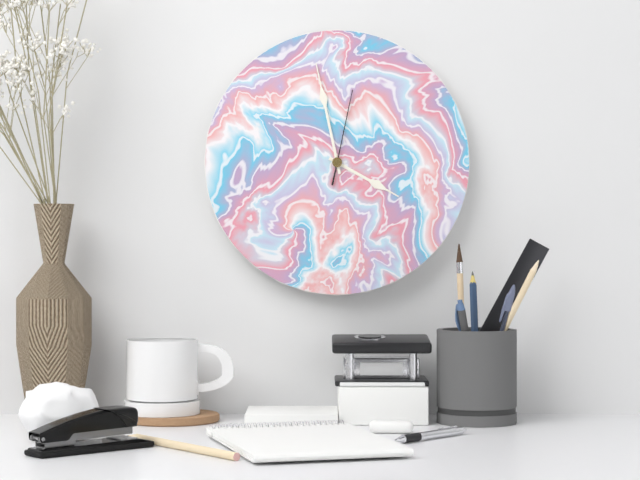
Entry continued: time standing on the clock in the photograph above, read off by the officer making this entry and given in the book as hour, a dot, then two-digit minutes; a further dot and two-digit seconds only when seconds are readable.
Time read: 3.58.02
